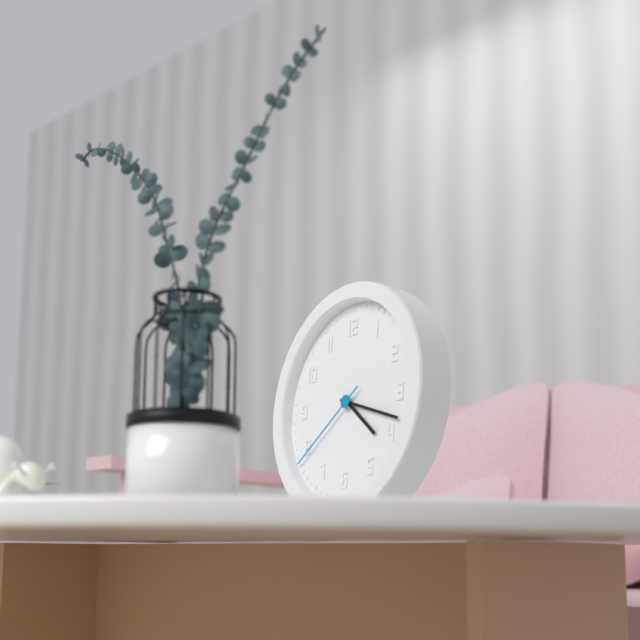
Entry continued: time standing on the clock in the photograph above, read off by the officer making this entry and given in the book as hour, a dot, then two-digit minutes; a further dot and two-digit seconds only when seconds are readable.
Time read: 4.18.39
